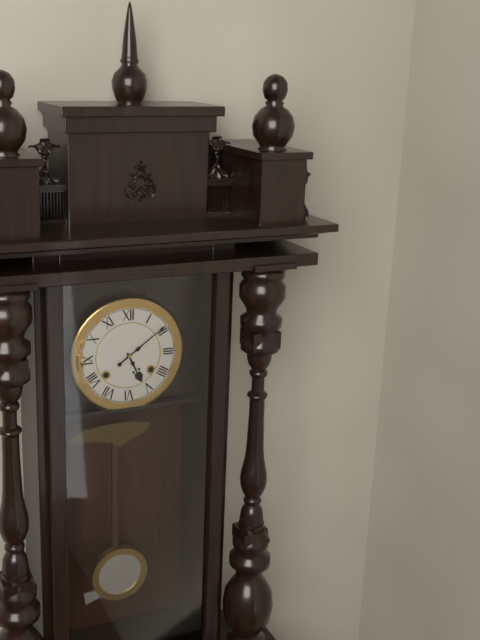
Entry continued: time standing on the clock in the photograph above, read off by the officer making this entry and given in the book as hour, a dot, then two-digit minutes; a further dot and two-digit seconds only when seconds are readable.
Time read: 5.09
